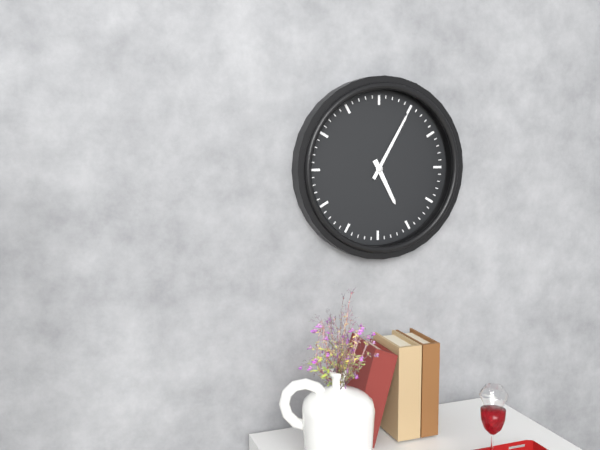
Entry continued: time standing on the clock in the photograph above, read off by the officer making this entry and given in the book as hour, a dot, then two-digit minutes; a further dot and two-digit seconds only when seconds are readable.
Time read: 5.05
